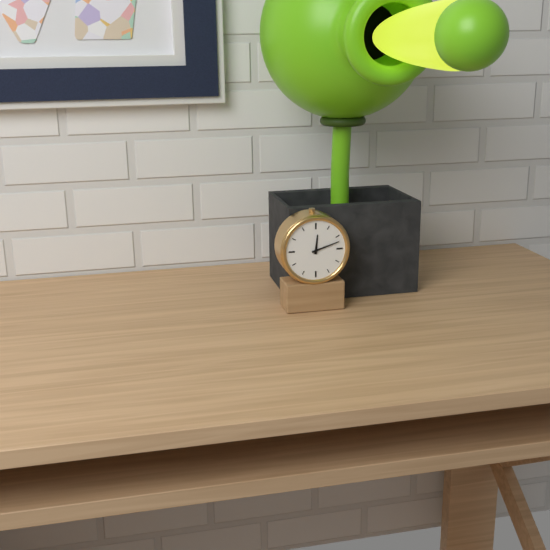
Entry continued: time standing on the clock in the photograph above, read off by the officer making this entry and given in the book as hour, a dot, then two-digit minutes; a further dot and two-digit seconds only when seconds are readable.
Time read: 12.12
